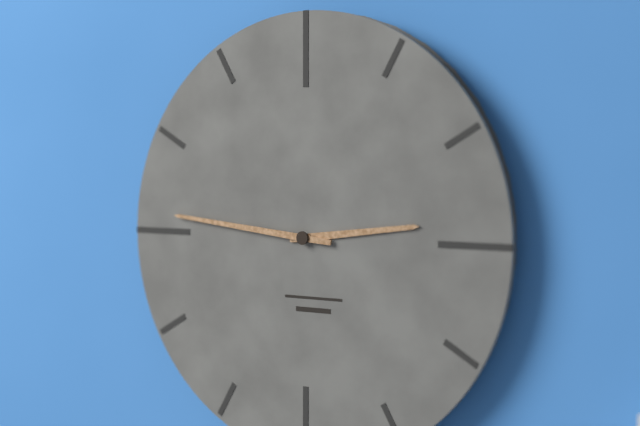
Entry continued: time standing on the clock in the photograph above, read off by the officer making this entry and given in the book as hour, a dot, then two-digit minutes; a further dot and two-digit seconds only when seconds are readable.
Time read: 2.46
